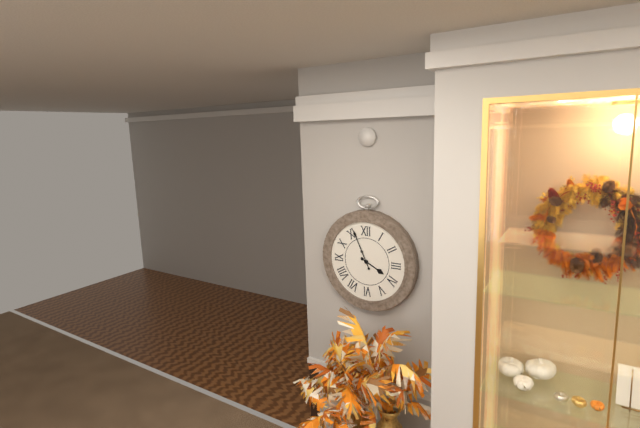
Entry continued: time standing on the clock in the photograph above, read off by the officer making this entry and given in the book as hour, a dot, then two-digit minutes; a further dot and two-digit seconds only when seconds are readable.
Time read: 3.56
